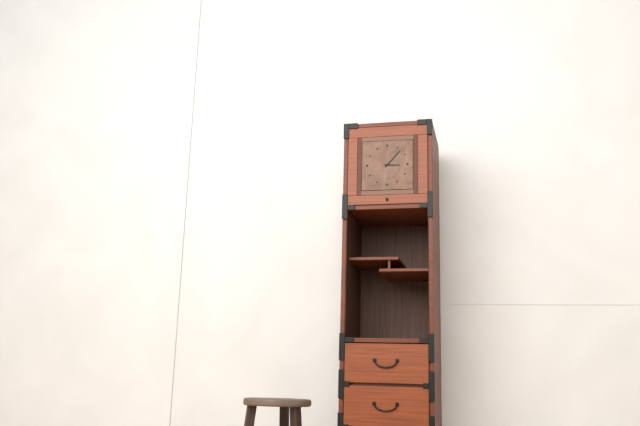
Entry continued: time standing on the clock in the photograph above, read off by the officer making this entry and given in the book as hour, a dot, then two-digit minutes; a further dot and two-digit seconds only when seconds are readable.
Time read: 3.07
